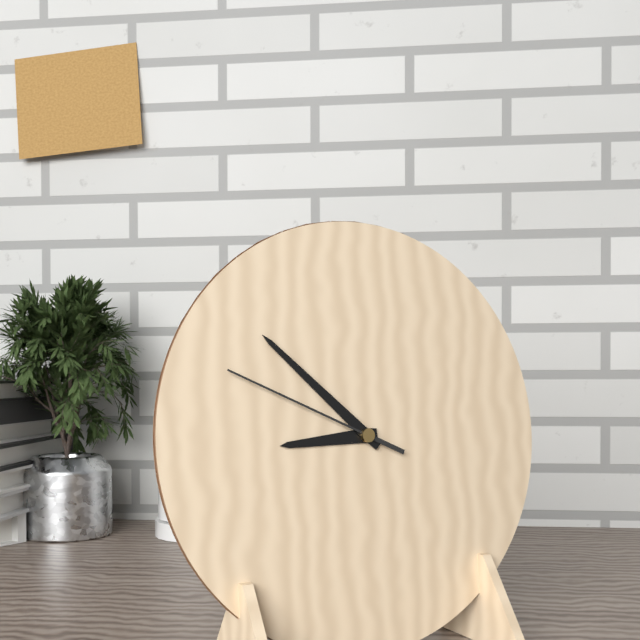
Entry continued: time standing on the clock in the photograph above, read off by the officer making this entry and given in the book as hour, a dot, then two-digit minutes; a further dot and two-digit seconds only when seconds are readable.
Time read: 8.52.49
